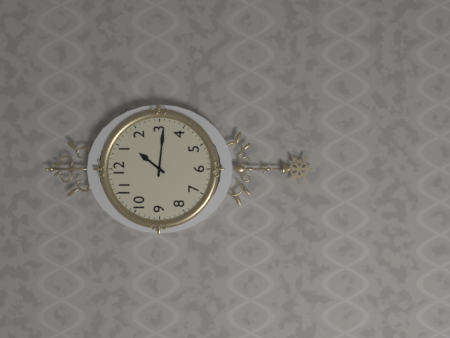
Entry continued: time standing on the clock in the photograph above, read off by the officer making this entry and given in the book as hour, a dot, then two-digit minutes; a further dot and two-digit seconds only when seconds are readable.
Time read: 1.16
